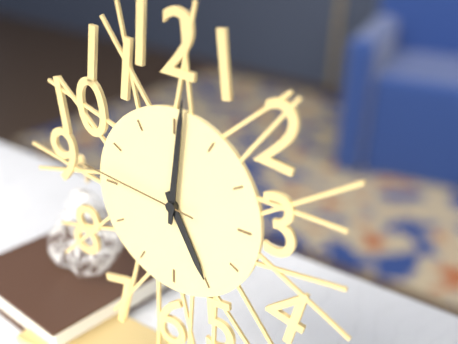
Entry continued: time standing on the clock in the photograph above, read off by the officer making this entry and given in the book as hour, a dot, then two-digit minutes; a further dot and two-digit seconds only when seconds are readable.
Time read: 5.01.46
